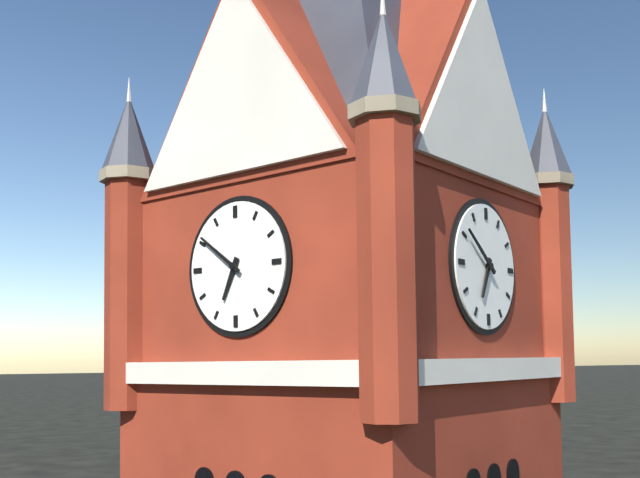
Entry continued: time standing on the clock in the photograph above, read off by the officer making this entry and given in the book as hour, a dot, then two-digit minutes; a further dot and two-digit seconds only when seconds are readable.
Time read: 6.51
